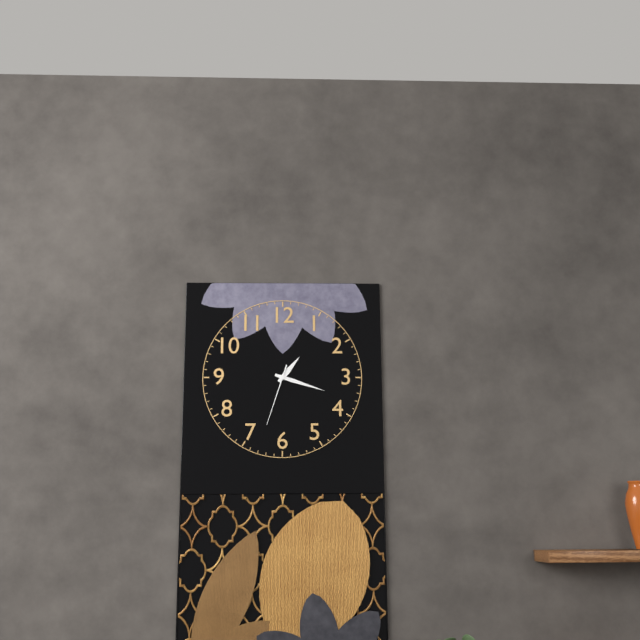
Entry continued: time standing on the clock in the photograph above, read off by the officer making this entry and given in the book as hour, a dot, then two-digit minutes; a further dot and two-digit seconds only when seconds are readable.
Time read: 1.18.33
